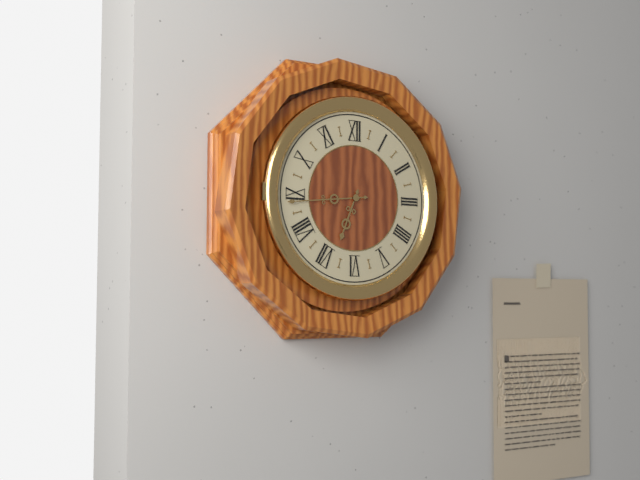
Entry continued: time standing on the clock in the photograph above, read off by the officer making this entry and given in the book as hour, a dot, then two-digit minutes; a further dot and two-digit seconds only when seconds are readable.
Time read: 6.44
